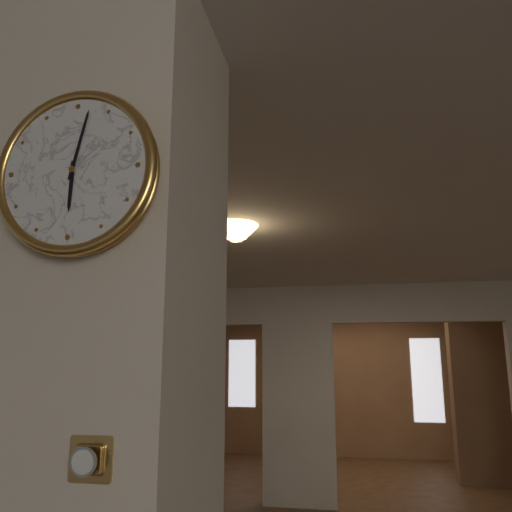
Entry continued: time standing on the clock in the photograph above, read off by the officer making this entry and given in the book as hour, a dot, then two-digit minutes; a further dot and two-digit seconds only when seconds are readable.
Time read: 6.02
